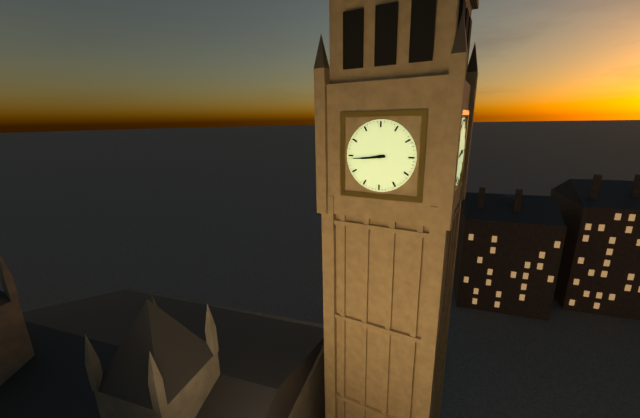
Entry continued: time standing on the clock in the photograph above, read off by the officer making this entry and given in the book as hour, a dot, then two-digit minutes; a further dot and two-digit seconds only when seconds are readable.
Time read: 8.44
